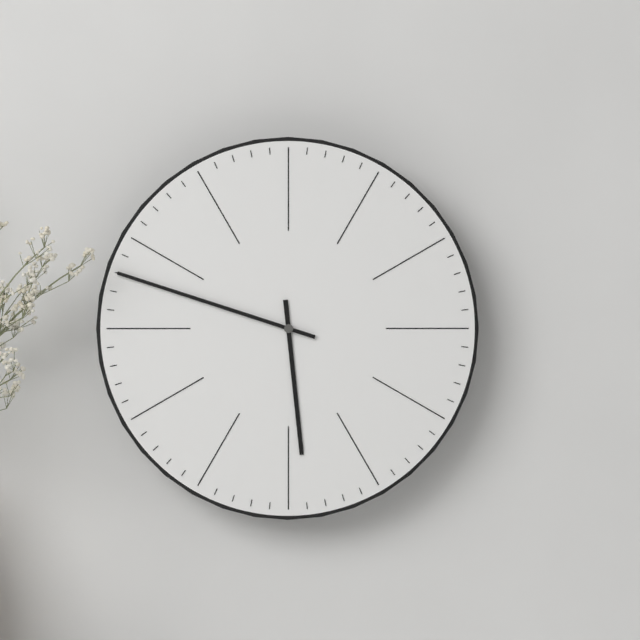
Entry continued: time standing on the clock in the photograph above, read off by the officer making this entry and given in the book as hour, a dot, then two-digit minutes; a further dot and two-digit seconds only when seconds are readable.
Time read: 5.48
